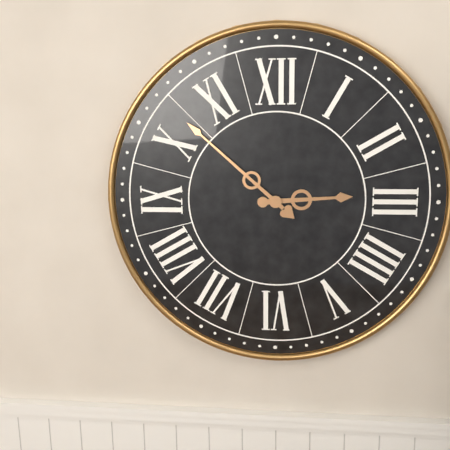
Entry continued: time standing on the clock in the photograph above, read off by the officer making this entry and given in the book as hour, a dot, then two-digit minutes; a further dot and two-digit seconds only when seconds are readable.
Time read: 2.52
